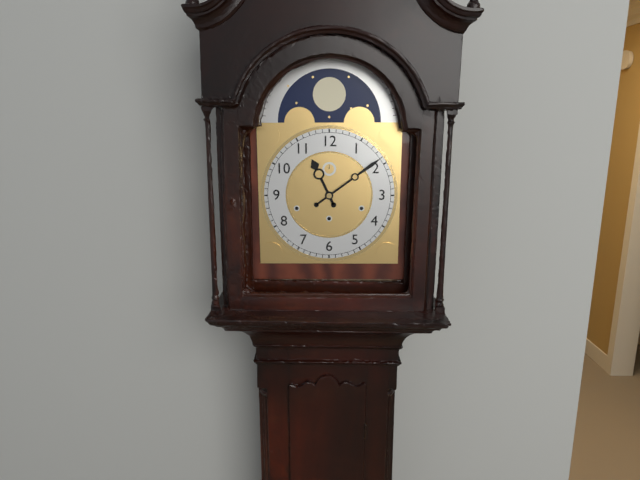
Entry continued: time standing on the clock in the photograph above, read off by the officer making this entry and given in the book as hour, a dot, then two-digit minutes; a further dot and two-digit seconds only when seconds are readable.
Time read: 11.09
